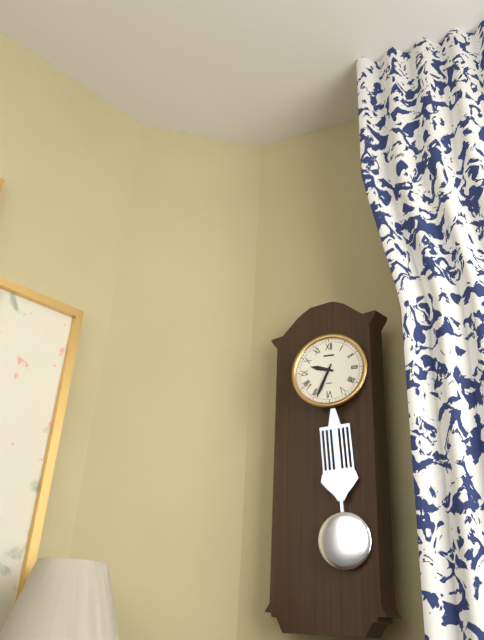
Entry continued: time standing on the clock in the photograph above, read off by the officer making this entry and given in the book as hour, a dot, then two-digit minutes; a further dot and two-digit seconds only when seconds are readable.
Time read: 9.34
